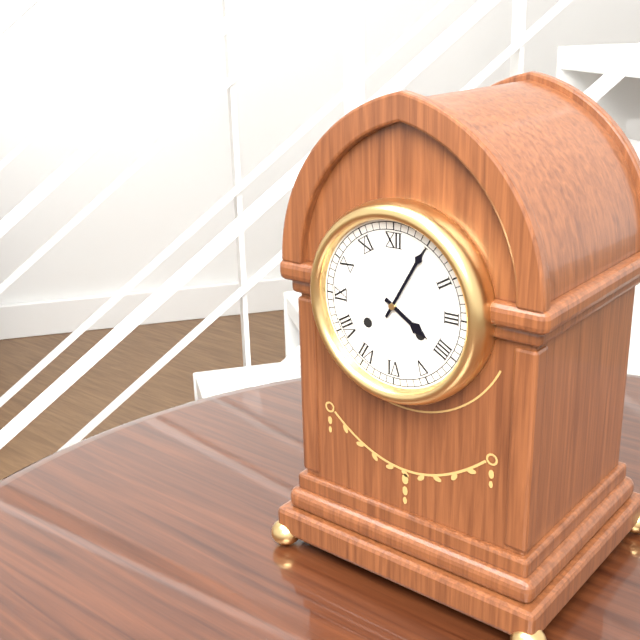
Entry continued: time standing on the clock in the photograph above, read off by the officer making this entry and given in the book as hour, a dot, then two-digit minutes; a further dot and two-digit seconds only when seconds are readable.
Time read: 4.05
